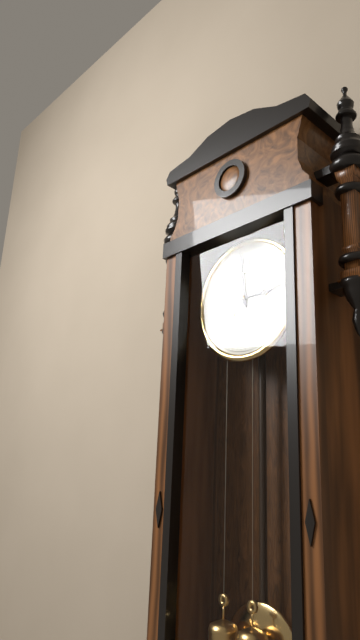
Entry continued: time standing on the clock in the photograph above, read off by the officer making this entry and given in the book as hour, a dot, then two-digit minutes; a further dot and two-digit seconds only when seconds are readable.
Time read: 2.59
